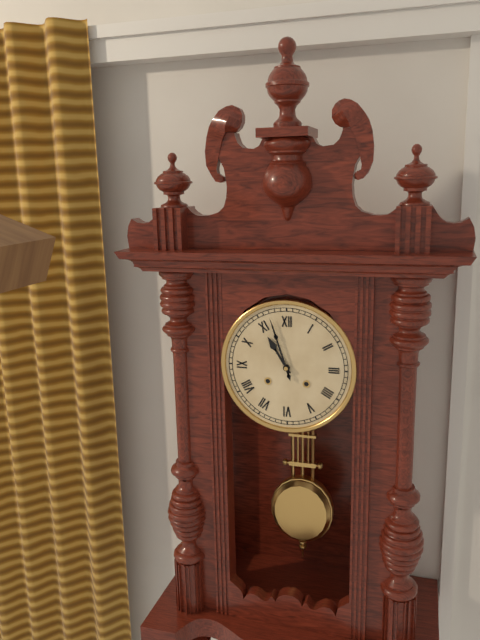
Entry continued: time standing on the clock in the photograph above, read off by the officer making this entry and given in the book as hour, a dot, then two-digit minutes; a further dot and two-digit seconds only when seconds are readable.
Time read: 10.57
